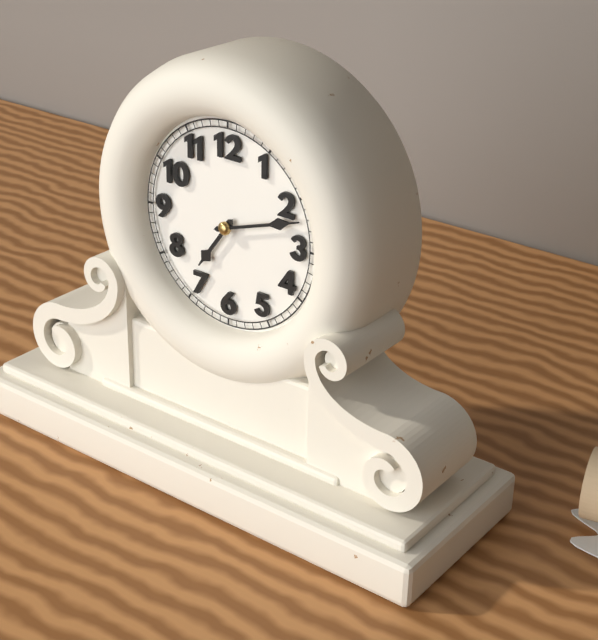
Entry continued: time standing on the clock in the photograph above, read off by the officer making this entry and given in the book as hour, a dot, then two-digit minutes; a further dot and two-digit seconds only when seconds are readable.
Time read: 7.12
